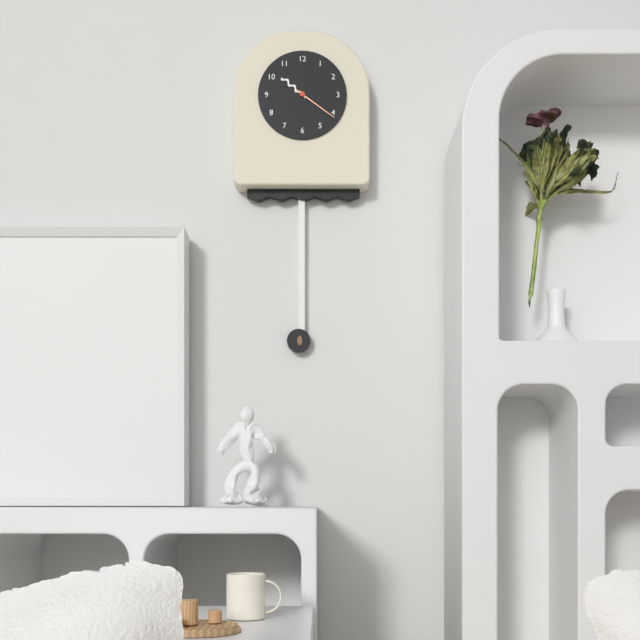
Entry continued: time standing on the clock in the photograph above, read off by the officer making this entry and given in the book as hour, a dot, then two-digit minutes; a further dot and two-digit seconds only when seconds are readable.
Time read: 10.21
